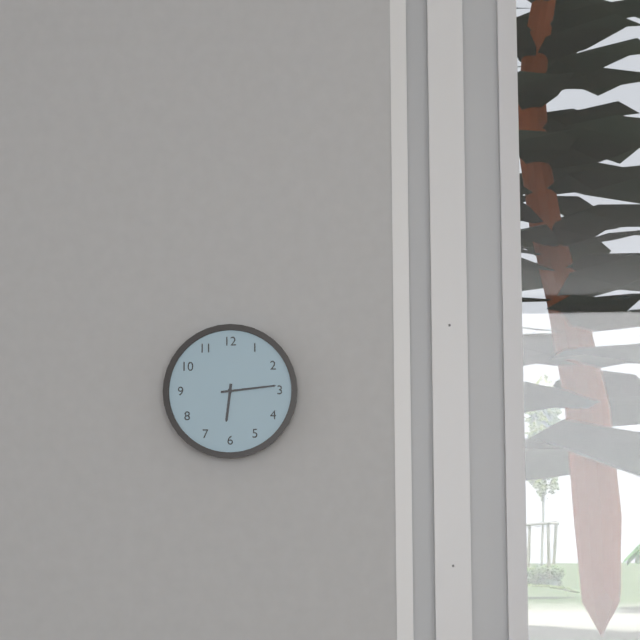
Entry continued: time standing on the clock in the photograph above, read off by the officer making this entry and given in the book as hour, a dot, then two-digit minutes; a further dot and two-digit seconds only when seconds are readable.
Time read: 6.14
